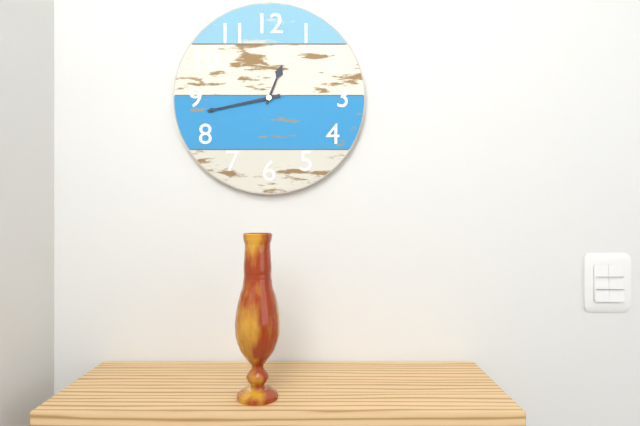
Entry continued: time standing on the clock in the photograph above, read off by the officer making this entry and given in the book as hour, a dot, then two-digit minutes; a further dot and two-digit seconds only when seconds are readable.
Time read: 12.43
